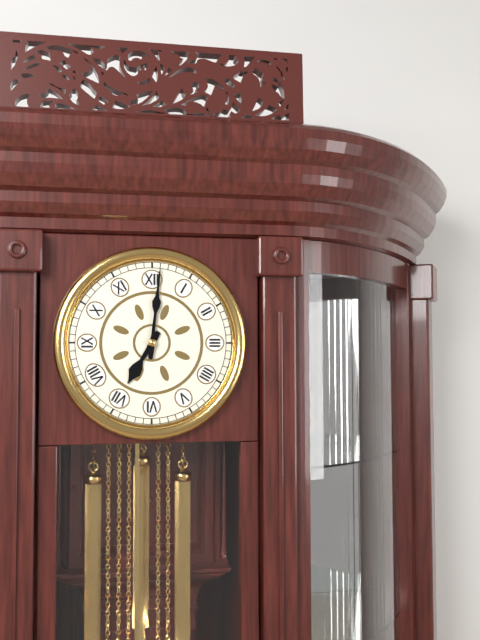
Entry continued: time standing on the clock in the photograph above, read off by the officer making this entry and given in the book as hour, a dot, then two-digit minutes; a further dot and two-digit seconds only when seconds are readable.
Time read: 7.01
